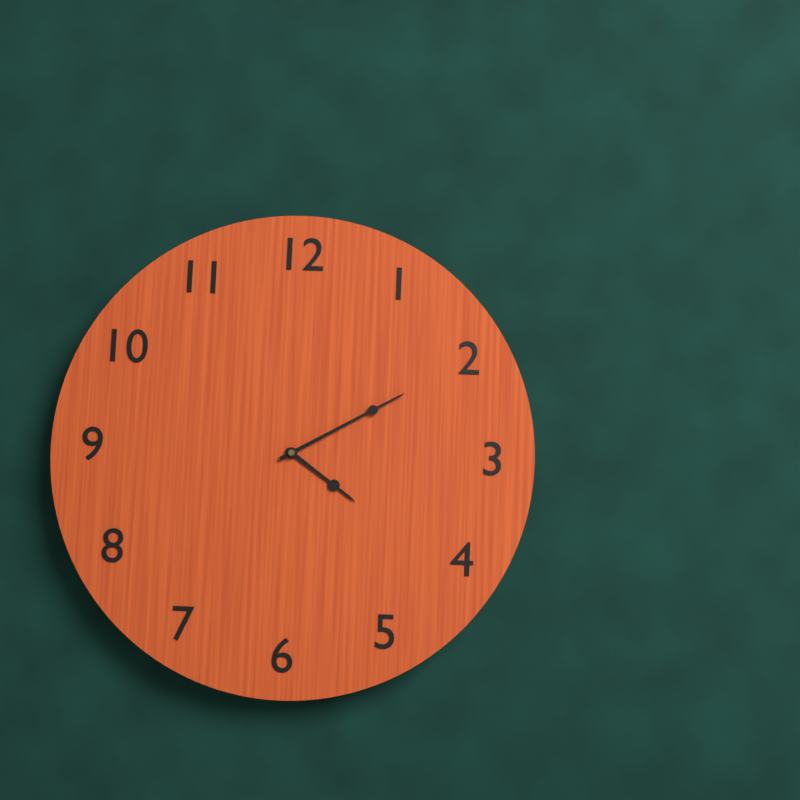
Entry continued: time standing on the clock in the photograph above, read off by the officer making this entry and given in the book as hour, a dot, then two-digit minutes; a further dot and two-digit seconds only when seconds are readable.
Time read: 4.10
